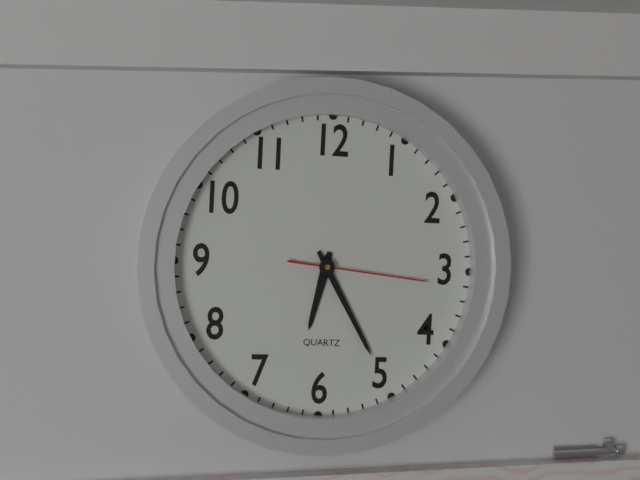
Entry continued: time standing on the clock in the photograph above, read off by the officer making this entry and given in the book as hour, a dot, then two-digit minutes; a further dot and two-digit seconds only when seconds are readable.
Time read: 6.25.16
